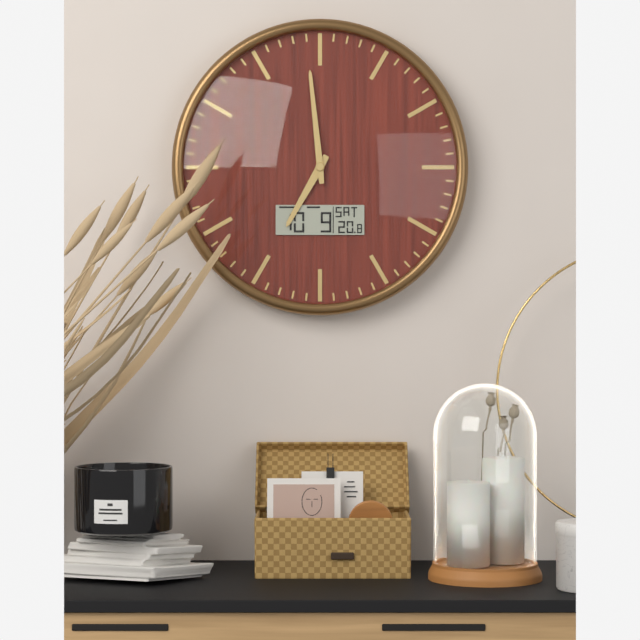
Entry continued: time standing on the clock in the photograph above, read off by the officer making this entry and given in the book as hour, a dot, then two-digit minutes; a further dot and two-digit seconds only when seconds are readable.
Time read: 6.59
